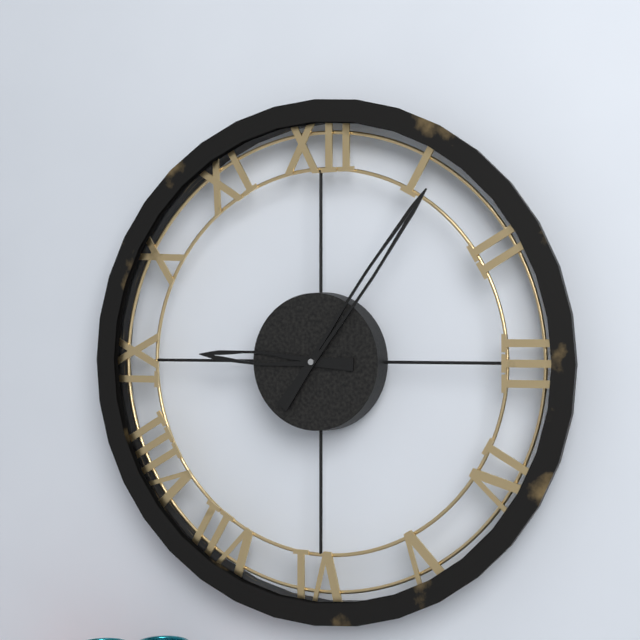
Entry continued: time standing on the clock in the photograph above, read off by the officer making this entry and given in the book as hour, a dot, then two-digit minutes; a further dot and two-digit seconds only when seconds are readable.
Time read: 9.06
